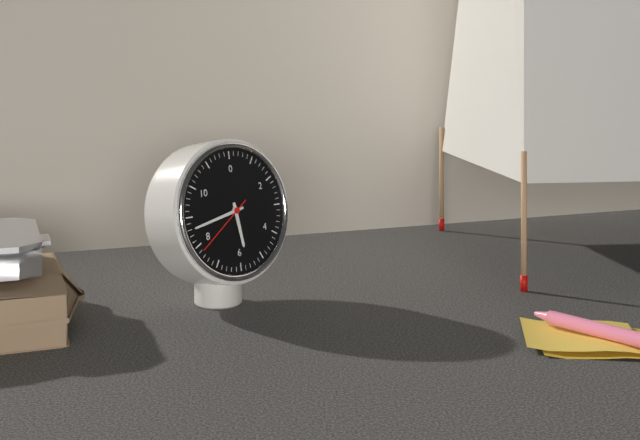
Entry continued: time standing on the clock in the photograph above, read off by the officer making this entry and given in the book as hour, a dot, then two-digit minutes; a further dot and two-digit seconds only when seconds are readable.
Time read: 5.43.39
